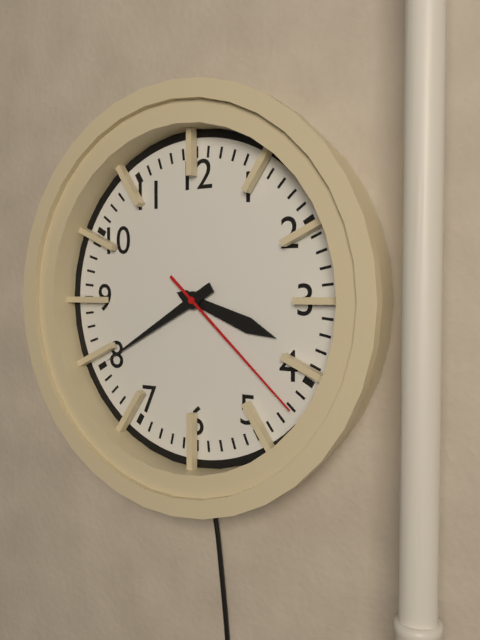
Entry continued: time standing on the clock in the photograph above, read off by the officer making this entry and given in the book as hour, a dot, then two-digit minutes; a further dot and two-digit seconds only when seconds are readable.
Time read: 3.40.22
